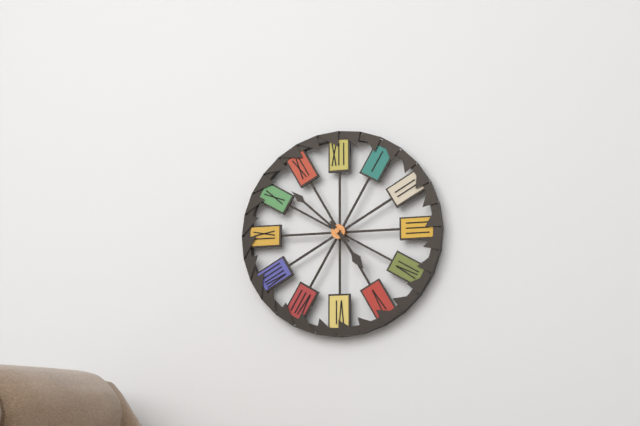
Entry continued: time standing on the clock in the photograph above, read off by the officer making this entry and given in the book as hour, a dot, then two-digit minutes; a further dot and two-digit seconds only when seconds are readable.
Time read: 4.52
